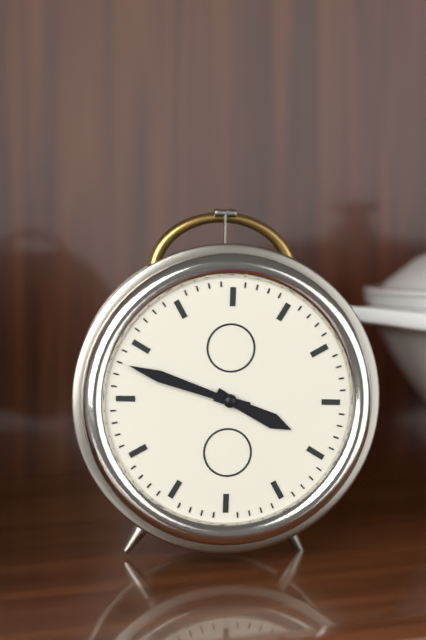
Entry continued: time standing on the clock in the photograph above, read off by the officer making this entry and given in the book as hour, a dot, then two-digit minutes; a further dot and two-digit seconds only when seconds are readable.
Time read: 3.48
